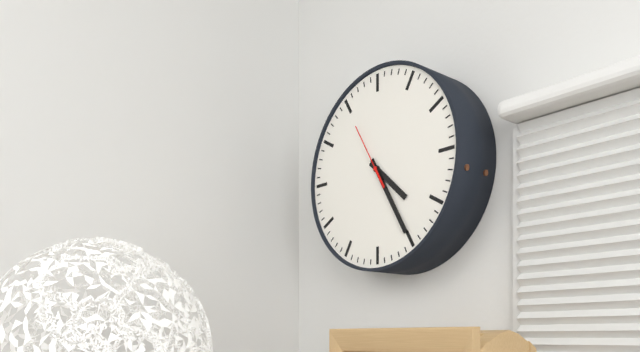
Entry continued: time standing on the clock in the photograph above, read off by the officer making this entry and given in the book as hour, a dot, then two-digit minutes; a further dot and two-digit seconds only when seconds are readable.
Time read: 4.25.55
